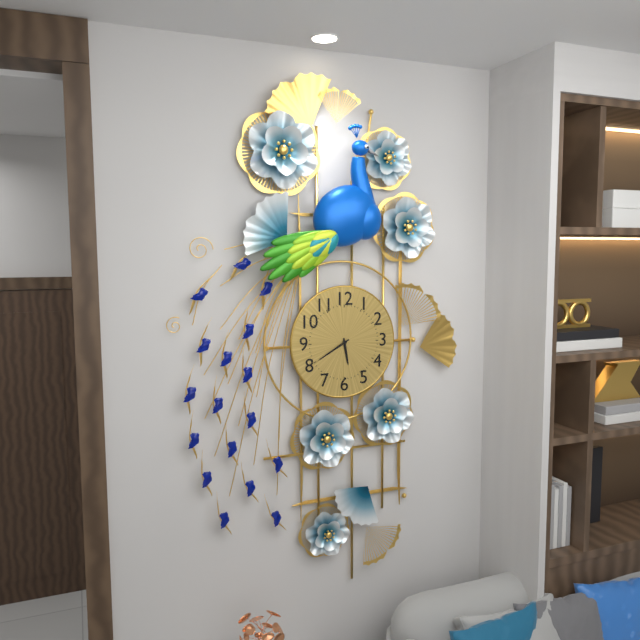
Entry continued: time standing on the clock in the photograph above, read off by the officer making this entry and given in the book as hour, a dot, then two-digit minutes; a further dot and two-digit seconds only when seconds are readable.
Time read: 5.40
